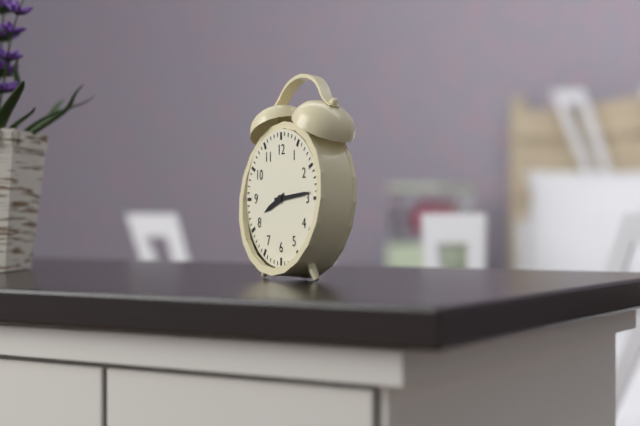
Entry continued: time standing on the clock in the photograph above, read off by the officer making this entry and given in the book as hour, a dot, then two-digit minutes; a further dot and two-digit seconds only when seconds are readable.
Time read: 8.14
